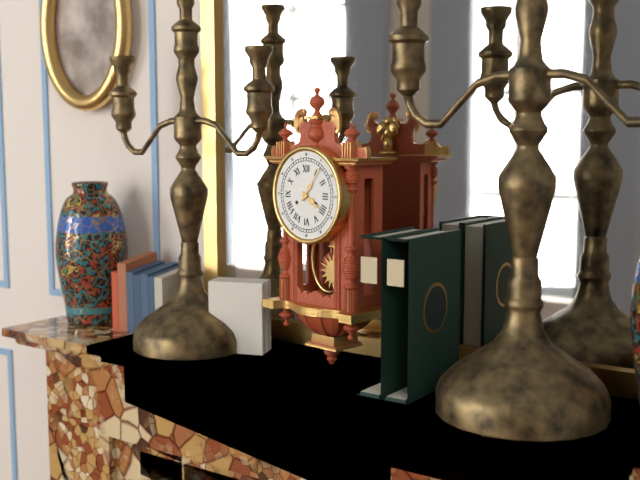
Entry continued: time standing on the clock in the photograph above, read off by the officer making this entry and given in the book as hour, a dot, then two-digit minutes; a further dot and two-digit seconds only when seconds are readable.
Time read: 4.06
